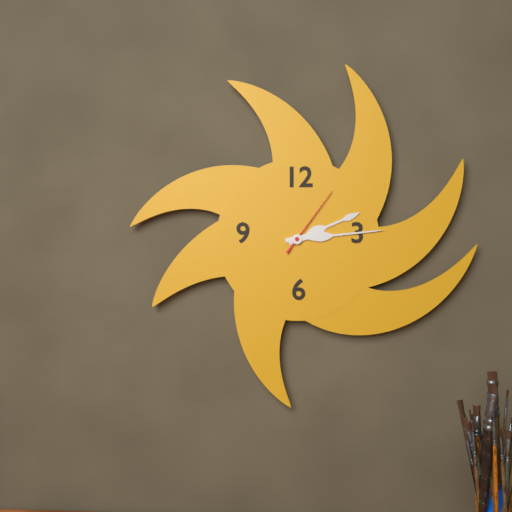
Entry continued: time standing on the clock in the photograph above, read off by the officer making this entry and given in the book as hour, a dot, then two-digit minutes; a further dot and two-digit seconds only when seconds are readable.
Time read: 2.14.06
